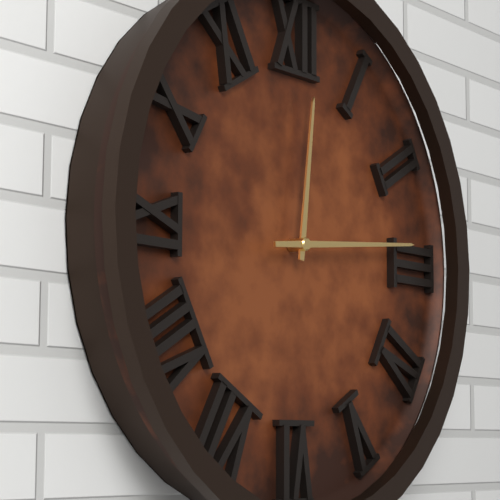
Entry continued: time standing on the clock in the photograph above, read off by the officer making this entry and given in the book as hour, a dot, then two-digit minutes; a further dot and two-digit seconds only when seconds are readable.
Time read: 12.14
